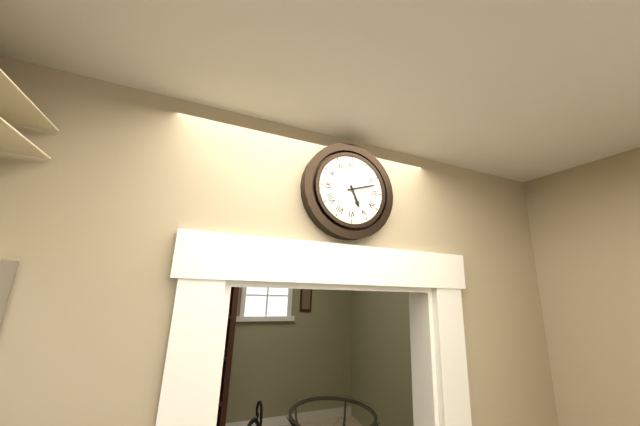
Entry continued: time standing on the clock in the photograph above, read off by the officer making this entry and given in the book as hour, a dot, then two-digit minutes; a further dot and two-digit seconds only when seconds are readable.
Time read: 5.12
